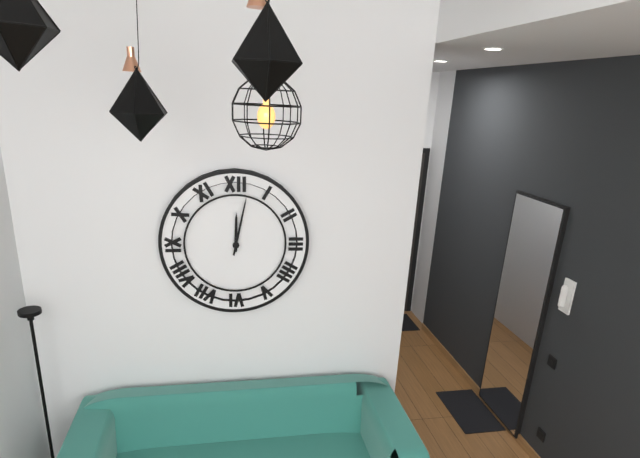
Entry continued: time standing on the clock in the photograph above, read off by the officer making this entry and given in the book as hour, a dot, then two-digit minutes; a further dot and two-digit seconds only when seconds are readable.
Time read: 12.02
